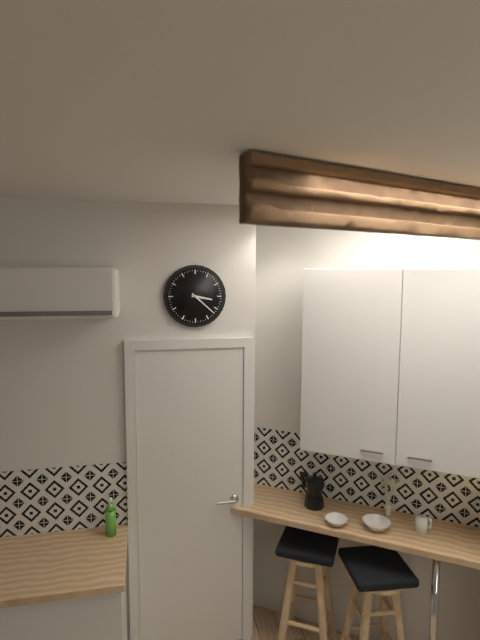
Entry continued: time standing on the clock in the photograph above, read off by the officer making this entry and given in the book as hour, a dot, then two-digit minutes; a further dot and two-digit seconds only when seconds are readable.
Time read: 3.22
